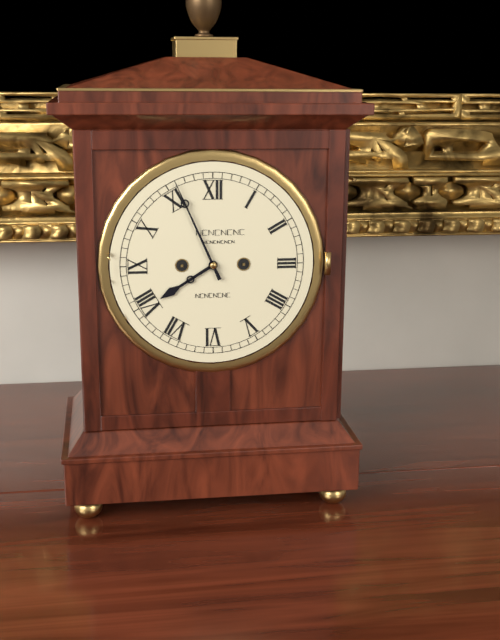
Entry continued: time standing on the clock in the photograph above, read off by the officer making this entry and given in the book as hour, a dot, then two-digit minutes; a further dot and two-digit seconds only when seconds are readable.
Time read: 7.56
